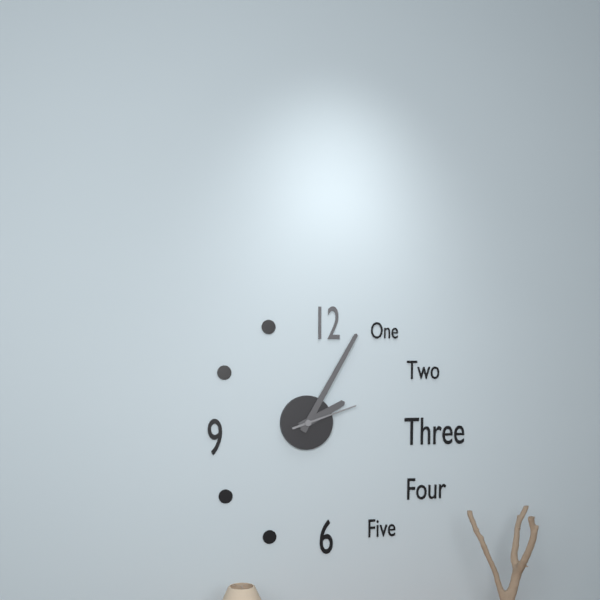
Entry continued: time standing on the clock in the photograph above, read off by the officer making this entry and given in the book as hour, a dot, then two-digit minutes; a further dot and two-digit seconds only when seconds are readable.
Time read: 2.05.12
